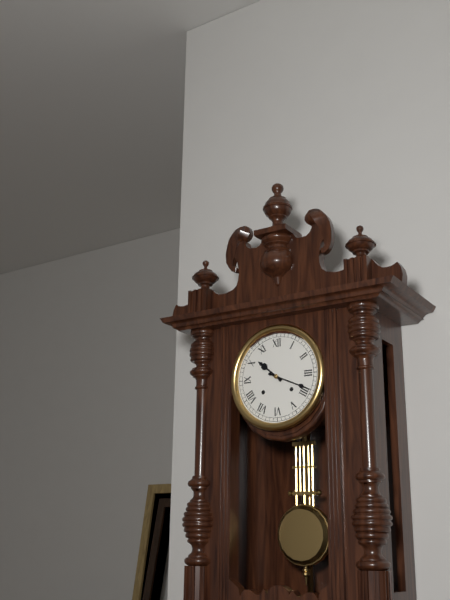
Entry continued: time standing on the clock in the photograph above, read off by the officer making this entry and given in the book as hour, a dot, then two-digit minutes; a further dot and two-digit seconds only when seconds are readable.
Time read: 10.19
